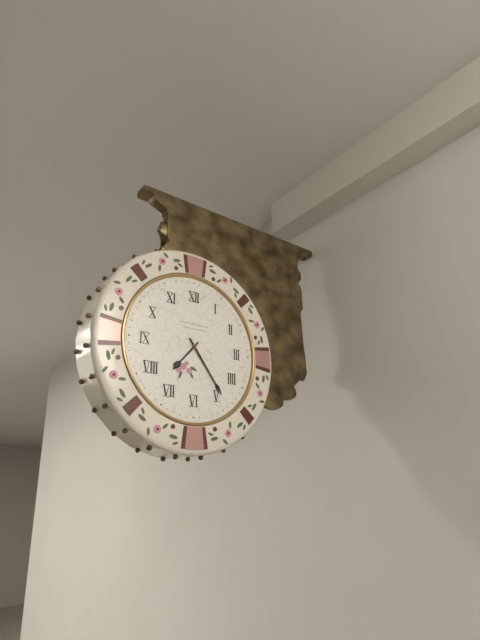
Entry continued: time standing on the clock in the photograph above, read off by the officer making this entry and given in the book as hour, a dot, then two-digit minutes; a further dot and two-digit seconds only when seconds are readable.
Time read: 7.24
